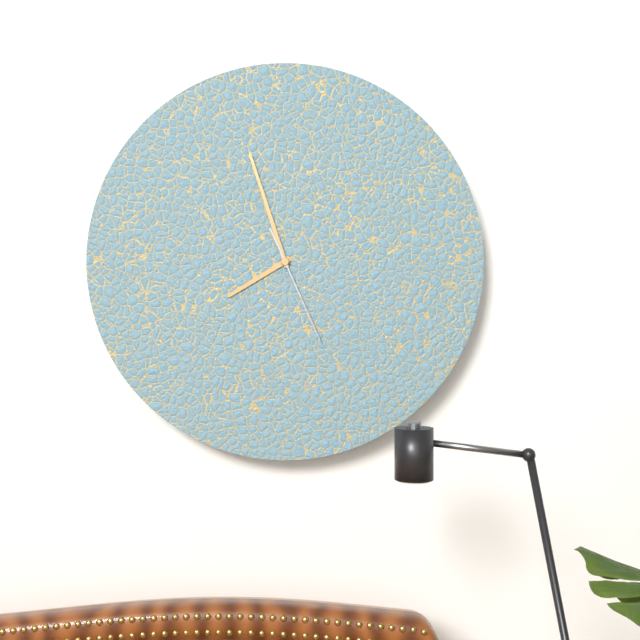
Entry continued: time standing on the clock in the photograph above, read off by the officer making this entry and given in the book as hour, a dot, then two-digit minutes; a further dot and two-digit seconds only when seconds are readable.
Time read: 7.57.26
